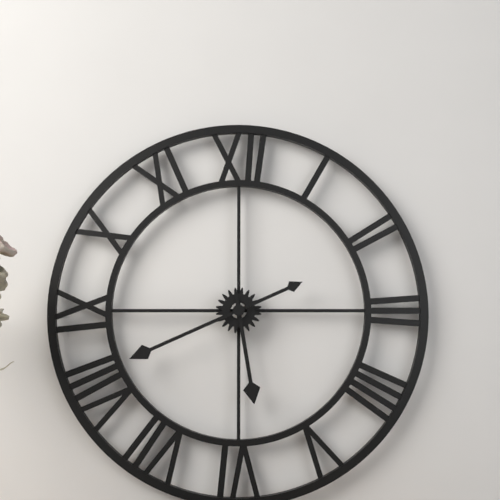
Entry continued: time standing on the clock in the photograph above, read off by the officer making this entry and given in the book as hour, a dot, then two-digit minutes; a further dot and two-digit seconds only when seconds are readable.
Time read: 5.41
